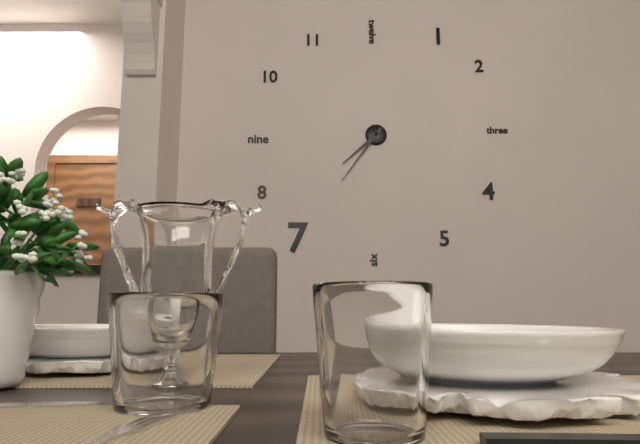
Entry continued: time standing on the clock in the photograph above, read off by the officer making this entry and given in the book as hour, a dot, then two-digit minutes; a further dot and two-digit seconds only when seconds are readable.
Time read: 7.36
